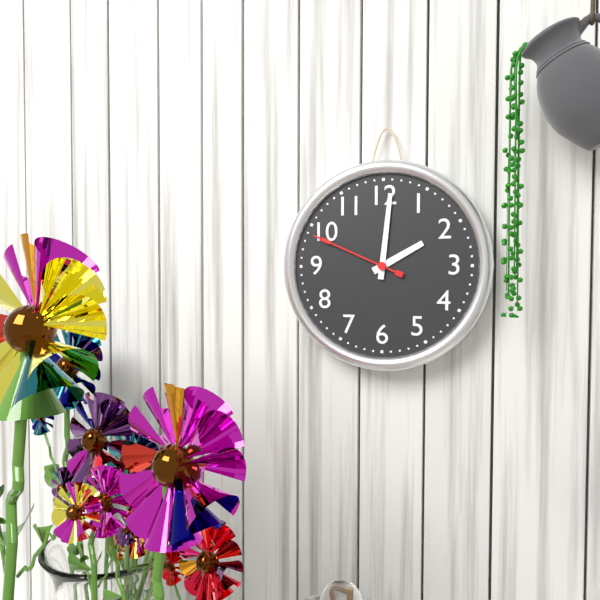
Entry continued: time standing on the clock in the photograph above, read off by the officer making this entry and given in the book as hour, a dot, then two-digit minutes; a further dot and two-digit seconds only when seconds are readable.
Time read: 2.01.49
